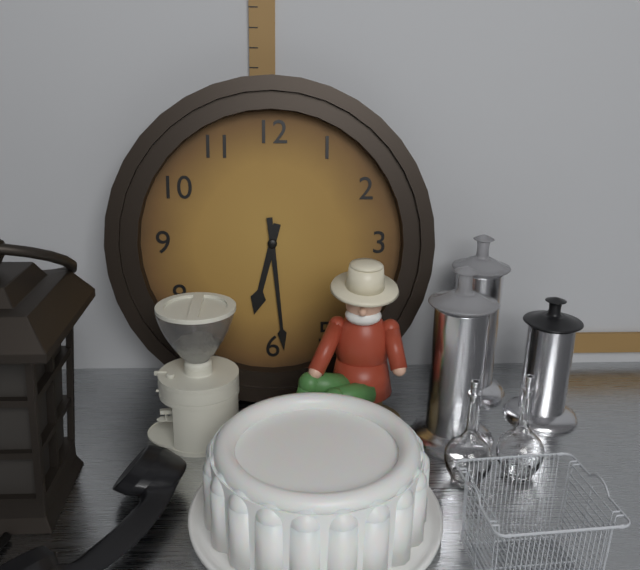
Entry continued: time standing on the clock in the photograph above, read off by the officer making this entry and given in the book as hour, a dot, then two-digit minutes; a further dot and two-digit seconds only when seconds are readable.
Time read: 6.29
